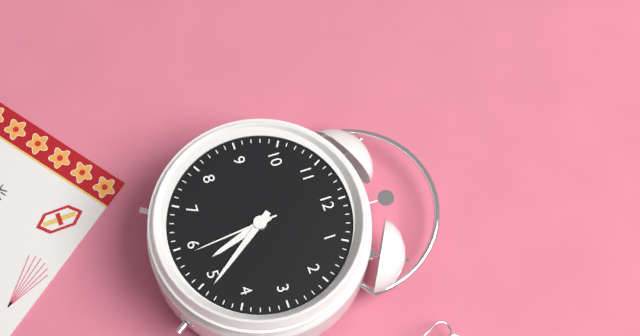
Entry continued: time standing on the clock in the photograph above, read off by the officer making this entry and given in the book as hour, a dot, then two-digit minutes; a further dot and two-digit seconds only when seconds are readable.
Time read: 5.24.29
